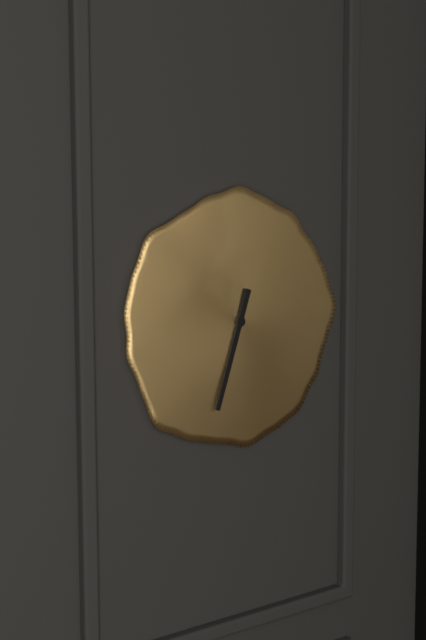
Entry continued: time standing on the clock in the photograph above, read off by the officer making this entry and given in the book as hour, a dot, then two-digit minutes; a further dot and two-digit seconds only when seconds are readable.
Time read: 6.33
